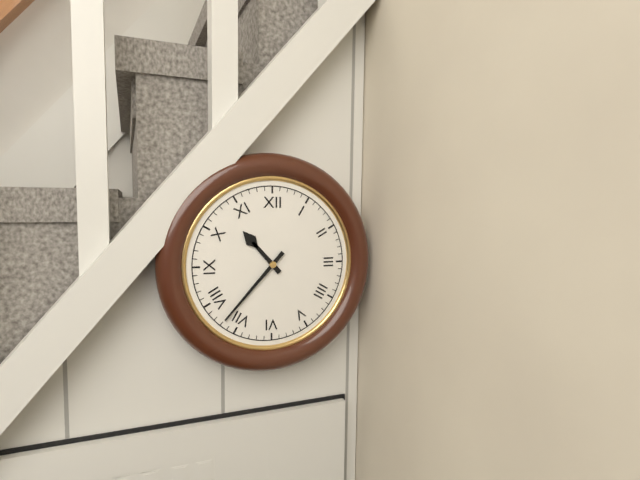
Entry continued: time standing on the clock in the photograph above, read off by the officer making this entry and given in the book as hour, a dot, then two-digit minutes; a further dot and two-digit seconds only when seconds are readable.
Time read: 10.37
